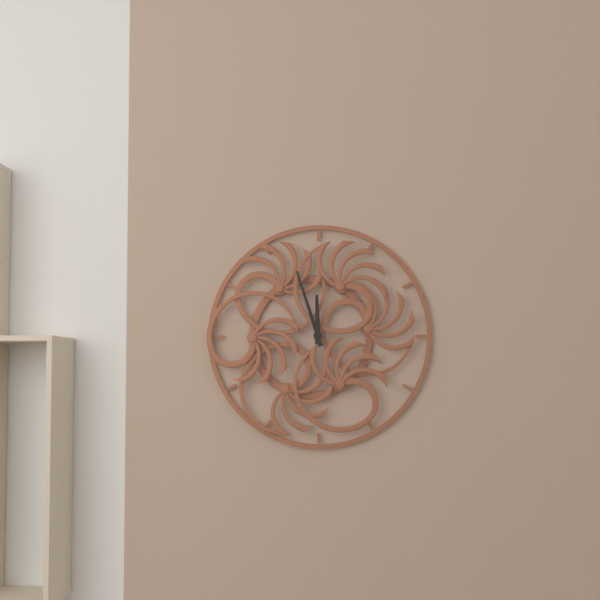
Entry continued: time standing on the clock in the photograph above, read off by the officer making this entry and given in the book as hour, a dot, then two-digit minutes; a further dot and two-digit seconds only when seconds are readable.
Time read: 11.57
